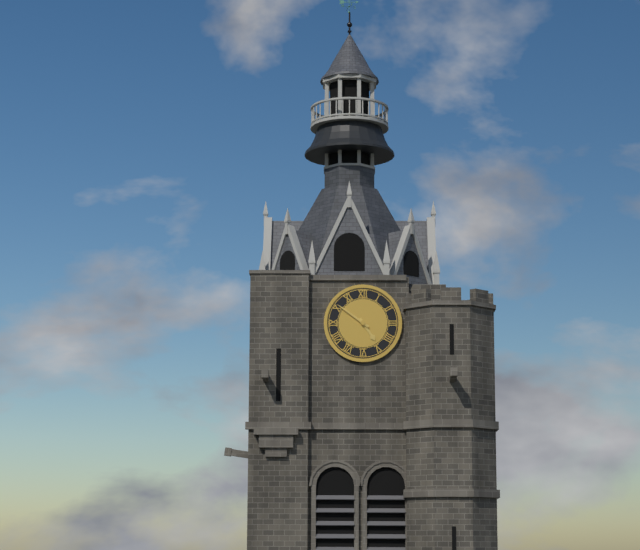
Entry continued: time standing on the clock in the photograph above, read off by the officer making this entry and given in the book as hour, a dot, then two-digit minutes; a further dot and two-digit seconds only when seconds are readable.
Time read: 4.51
